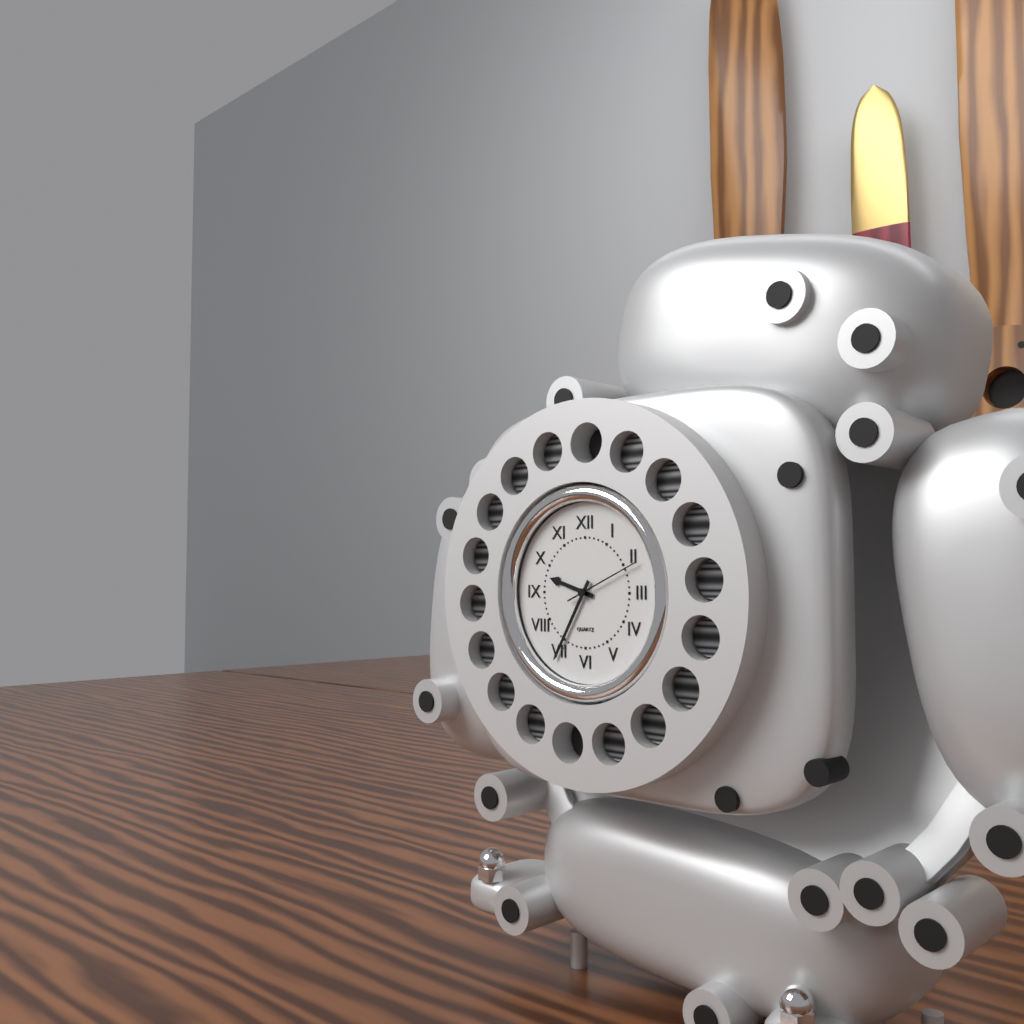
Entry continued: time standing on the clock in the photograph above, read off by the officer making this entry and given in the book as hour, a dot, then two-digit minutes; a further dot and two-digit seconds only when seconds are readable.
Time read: 9.35.11
